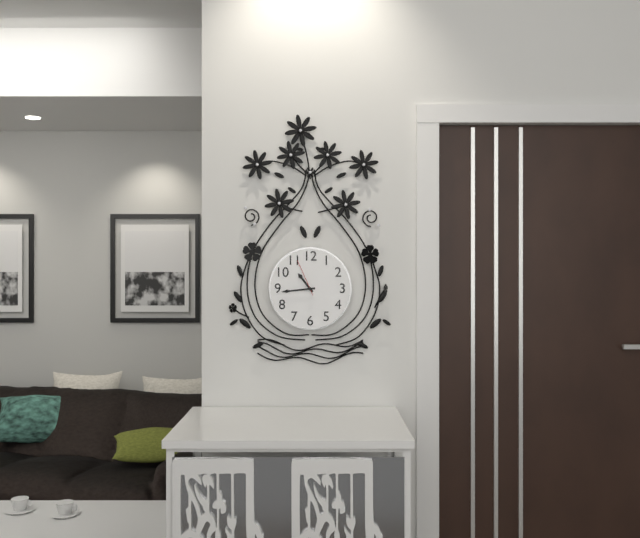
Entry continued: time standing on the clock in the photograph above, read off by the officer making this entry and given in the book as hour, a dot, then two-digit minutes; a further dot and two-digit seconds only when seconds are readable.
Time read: 10.44
